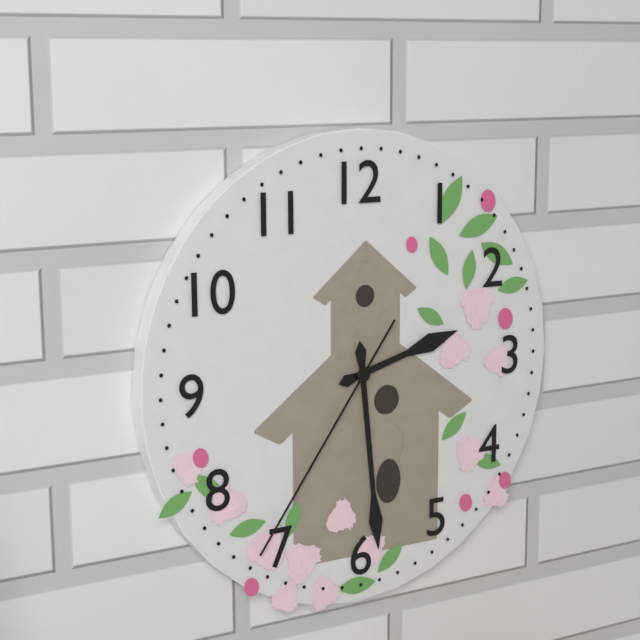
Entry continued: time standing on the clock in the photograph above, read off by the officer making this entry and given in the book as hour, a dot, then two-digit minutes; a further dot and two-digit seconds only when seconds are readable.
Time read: 2.29.36
